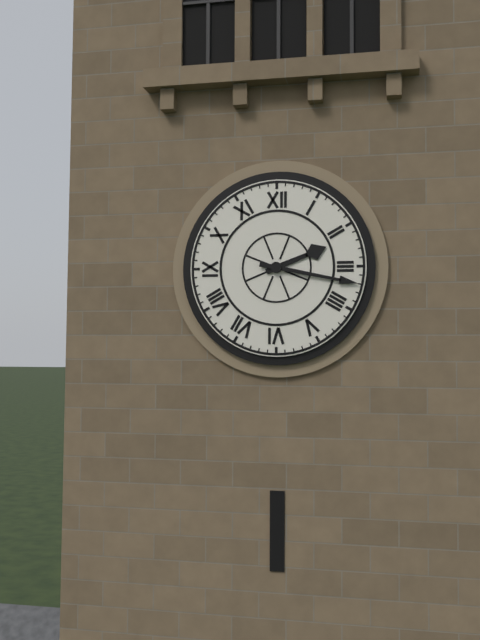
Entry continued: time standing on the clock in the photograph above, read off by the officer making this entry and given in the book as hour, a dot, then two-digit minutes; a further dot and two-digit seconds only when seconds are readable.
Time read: 2.17
